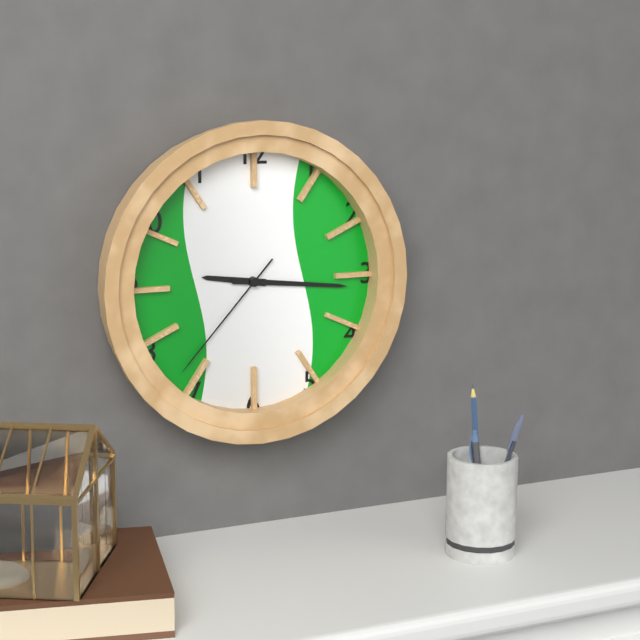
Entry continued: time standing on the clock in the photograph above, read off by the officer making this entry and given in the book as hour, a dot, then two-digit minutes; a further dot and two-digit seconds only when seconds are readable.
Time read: 9.16.37
